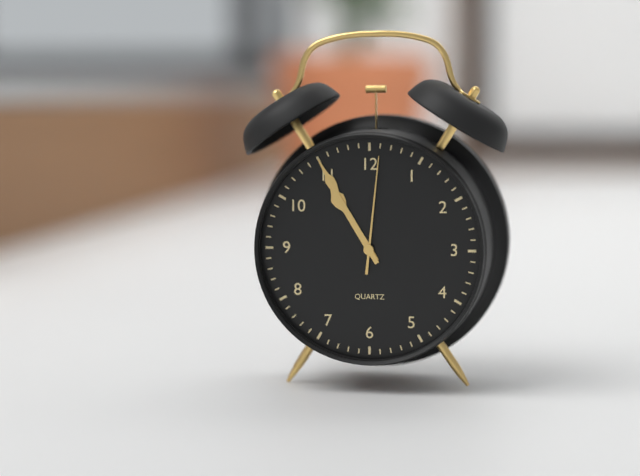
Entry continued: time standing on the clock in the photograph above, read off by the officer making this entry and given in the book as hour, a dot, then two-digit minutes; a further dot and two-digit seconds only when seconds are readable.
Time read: 10.55.01
